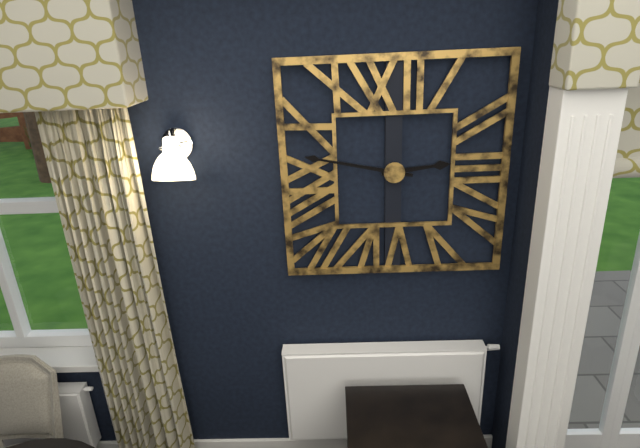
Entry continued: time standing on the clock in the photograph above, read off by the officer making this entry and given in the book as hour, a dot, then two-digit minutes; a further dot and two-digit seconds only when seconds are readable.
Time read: 2.47
